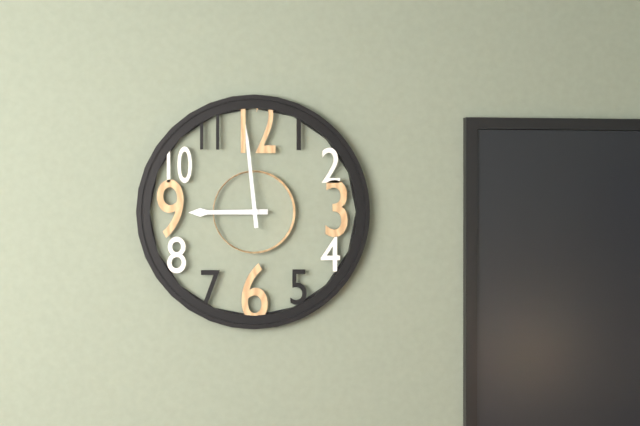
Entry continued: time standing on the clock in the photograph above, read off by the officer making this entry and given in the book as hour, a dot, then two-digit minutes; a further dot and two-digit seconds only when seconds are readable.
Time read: 8.59
